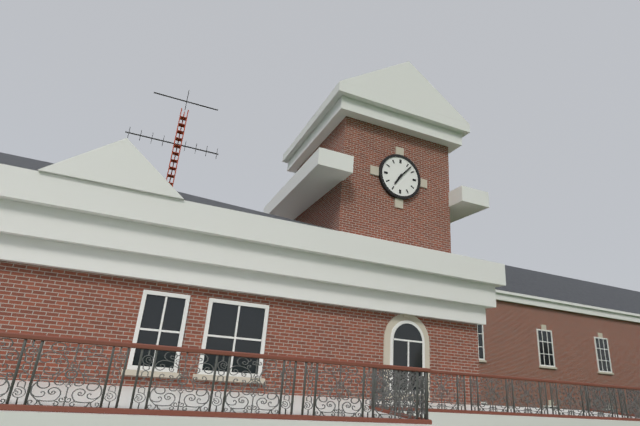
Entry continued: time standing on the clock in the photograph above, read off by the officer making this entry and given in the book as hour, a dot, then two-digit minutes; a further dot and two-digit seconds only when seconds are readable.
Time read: 7.07
